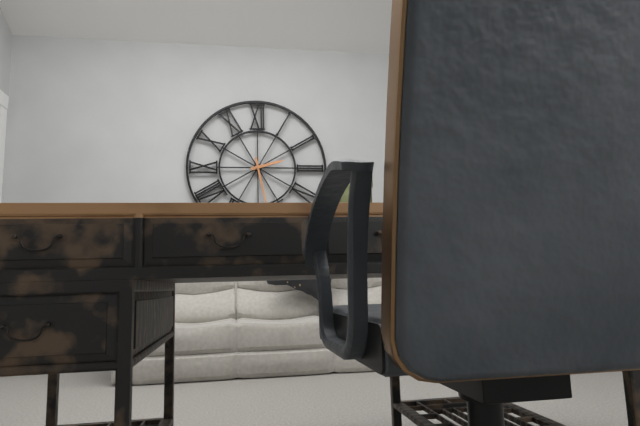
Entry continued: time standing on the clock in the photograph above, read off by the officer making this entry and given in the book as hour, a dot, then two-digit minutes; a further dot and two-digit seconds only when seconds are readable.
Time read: 2.28
